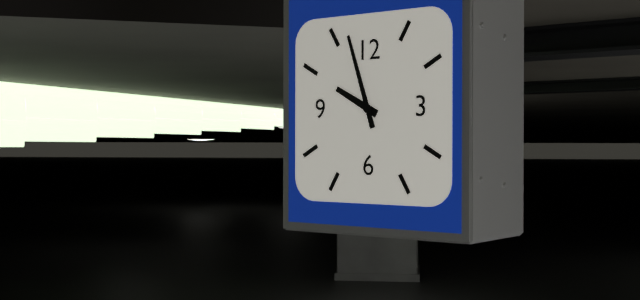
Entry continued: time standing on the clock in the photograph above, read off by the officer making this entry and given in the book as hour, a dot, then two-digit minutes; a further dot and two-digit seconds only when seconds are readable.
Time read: 9.57
